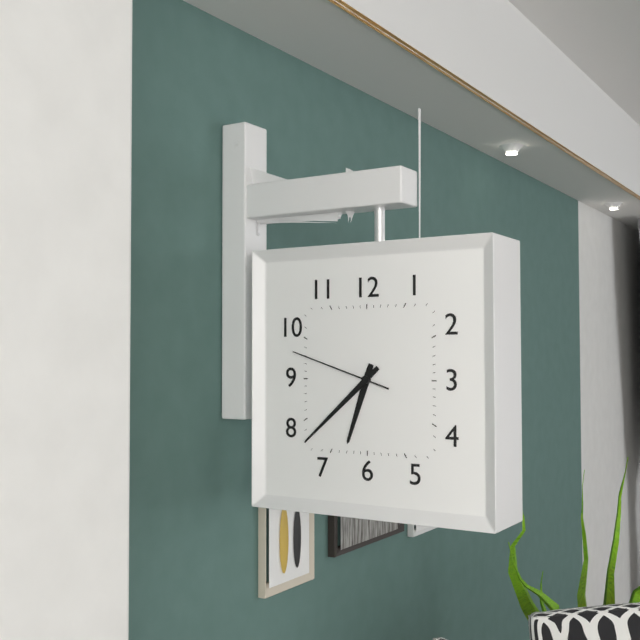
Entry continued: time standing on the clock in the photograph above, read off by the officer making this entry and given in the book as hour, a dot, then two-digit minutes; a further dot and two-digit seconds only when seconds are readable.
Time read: 6.38.48
